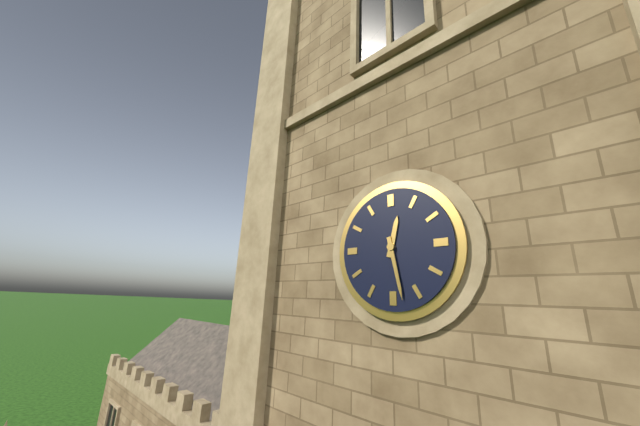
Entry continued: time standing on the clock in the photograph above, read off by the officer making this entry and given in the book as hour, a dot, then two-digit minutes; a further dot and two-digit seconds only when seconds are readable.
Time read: 12.28
